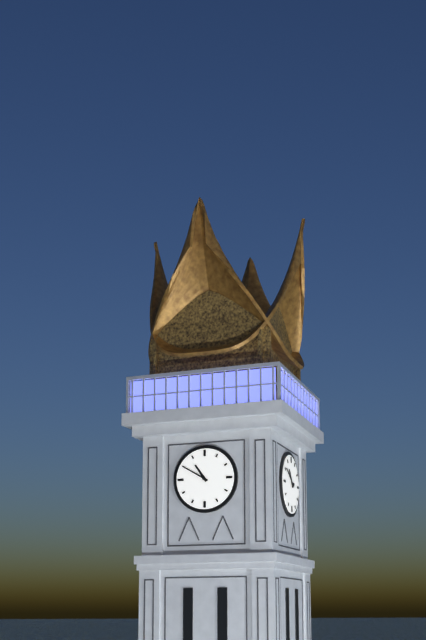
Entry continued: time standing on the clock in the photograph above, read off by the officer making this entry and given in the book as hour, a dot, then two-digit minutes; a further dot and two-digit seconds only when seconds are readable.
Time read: 10.50
